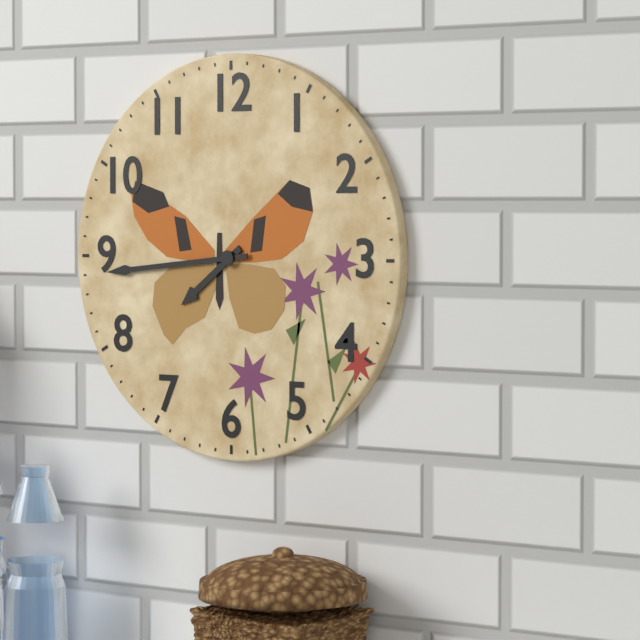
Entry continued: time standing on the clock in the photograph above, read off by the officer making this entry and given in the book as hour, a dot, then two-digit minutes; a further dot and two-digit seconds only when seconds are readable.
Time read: 7.44
